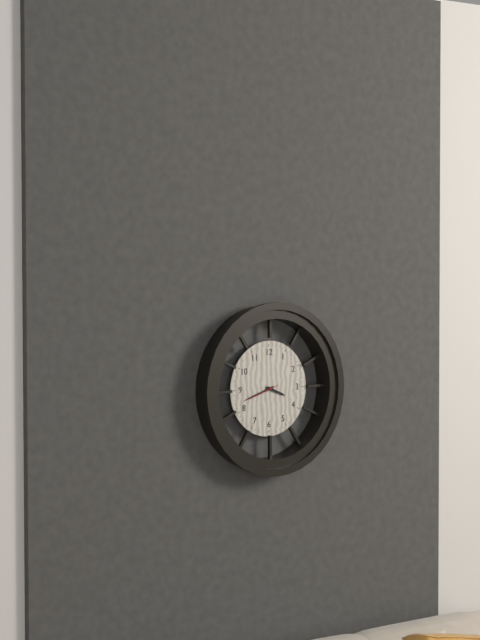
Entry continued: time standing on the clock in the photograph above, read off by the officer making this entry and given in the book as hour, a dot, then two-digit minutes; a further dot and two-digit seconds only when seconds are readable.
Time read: 3.42
